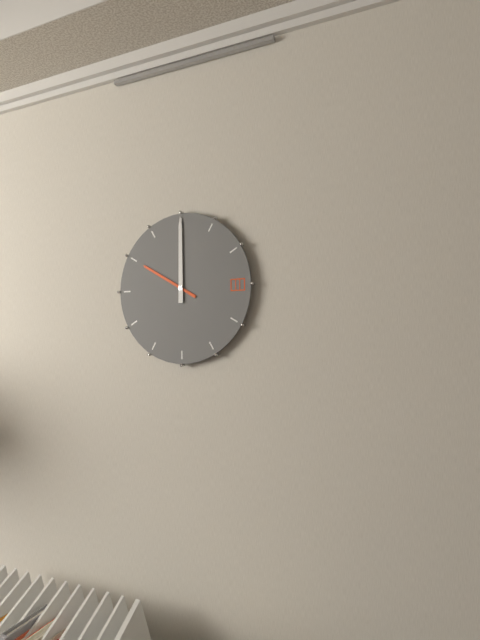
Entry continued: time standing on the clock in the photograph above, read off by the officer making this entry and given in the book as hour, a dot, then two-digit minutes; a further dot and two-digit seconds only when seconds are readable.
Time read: 10.00
